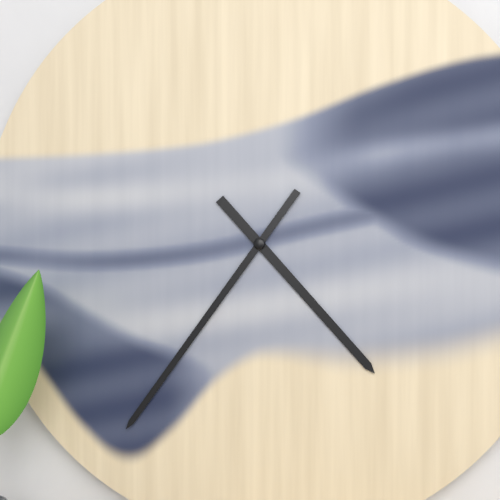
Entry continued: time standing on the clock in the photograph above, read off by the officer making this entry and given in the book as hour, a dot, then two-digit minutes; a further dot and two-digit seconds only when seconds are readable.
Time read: 4.36
